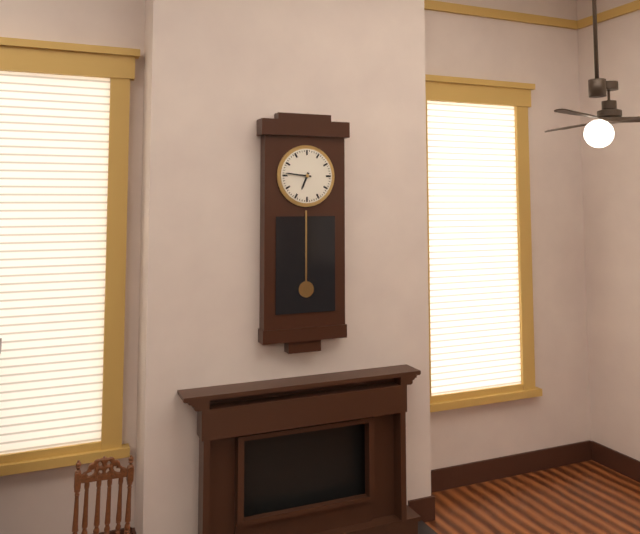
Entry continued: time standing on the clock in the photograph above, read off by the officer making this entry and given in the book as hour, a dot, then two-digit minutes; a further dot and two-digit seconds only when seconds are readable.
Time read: 6.46
